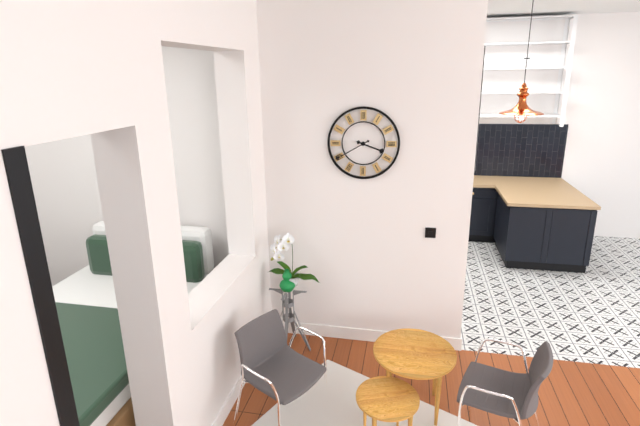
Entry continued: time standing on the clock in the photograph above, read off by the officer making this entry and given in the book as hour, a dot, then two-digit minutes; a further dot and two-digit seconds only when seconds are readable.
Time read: 3.40
